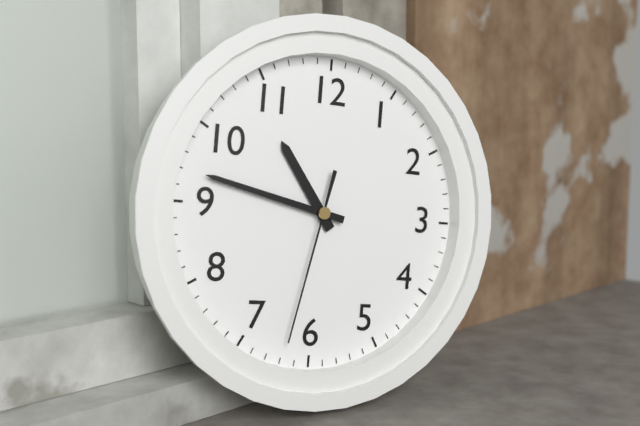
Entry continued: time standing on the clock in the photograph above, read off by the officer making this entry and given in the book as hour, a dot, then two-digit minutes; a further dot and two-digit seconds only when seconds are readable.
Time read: 10.47.32
